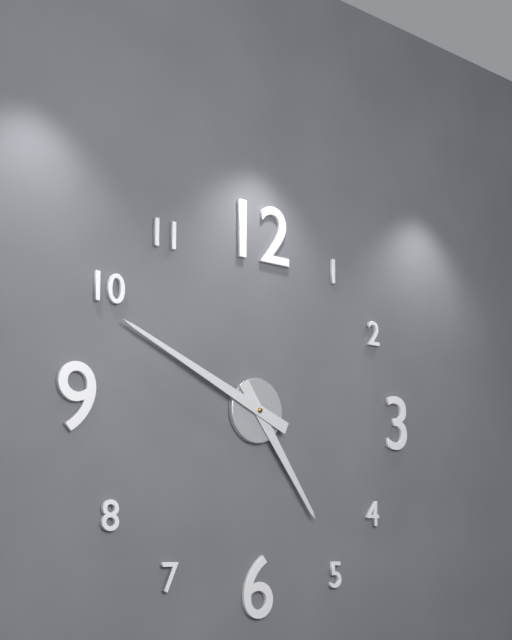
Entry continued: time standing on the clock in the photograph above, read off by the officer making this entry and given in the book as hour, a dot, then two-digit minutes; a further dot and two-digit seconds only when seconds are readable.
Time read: 4.49
